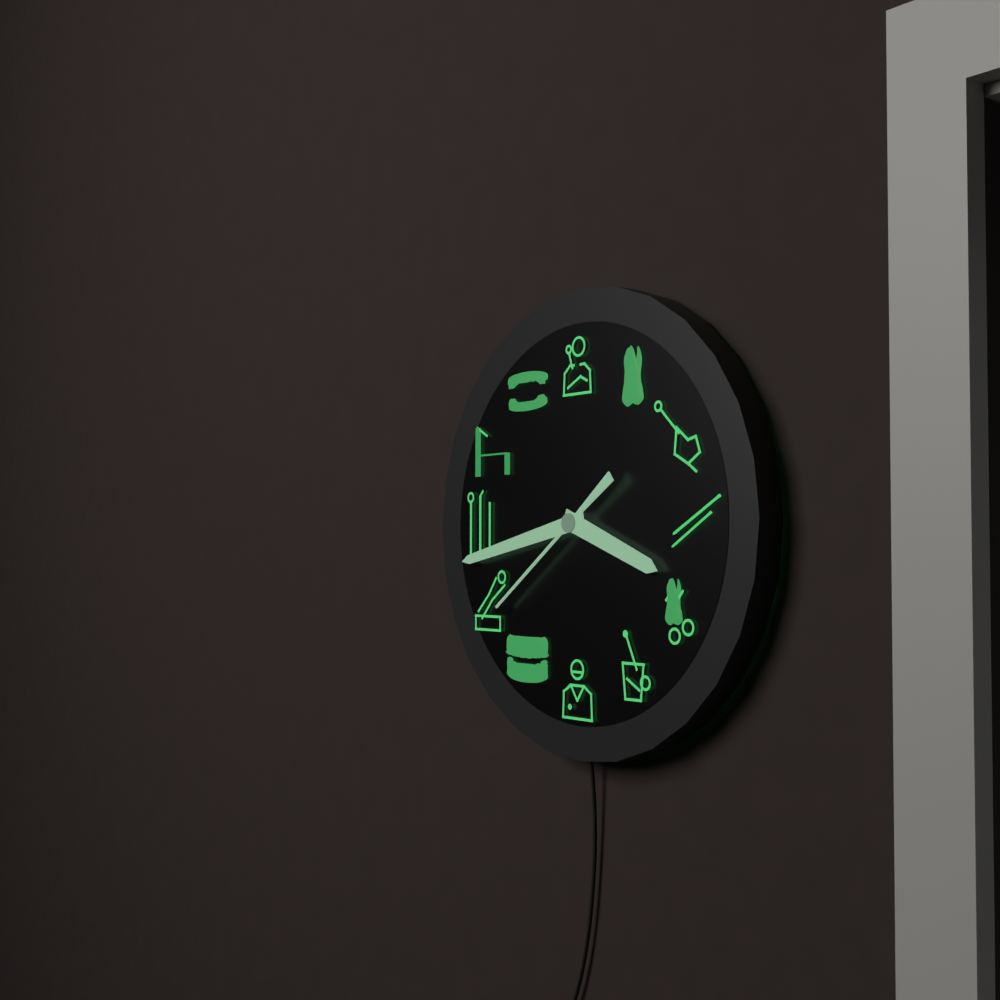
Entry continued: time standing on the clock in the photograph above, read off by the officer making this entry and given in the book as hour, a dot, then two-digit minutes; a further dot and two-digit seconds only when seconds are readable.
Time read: 3.43.39
